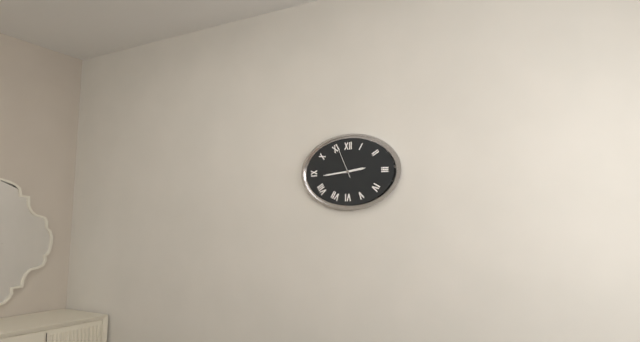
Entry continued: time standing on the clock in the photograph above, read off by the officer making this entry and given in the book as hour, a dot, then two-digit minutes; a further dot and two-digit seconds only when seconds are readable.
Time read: 2.44
